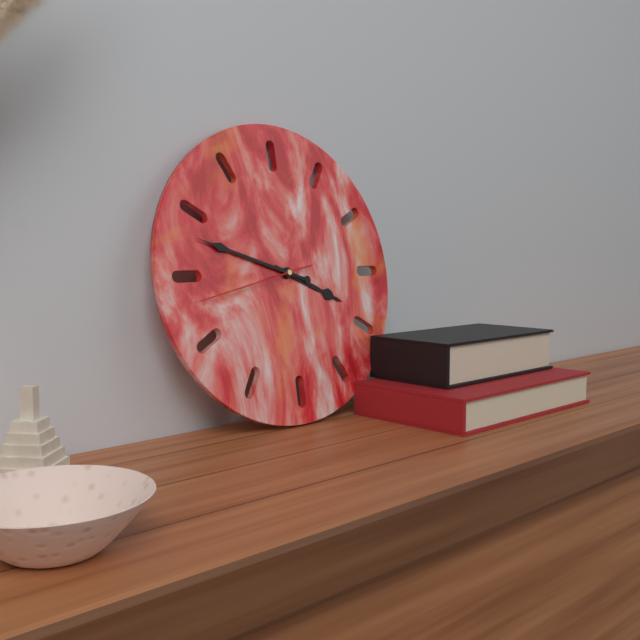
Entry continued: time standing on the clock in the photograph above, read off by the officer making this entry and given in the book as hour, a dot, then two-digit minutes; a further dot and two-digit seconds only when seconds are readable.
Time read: 3.48.43
